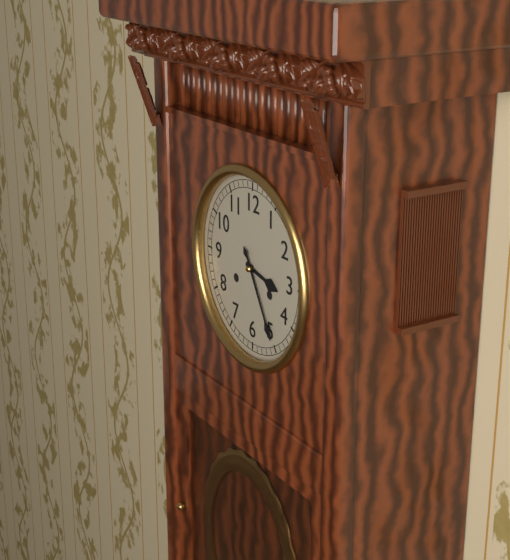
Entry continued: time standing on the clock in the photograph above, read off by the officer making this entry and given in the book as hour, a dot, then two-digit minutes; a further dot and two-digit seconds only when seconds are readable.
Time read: 3.25
